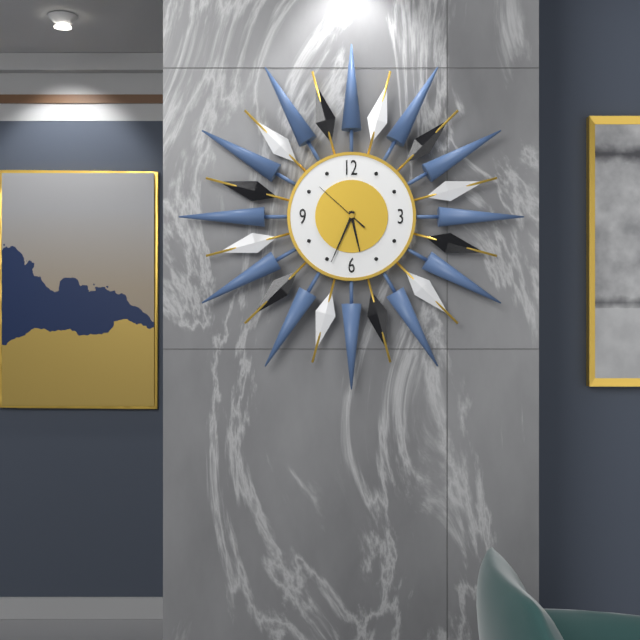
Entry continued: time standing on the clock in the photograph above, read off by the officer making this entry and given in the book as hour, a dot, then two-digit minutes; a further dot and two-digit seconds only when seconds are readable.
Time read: 5.34.52
